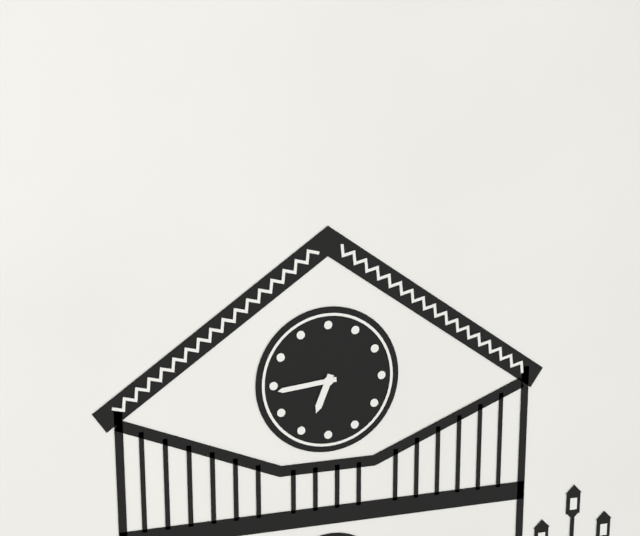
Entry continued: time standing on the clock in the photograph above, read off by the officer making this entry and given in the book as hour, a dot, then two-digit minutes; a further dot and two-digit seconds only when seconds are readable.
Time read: 6.44
